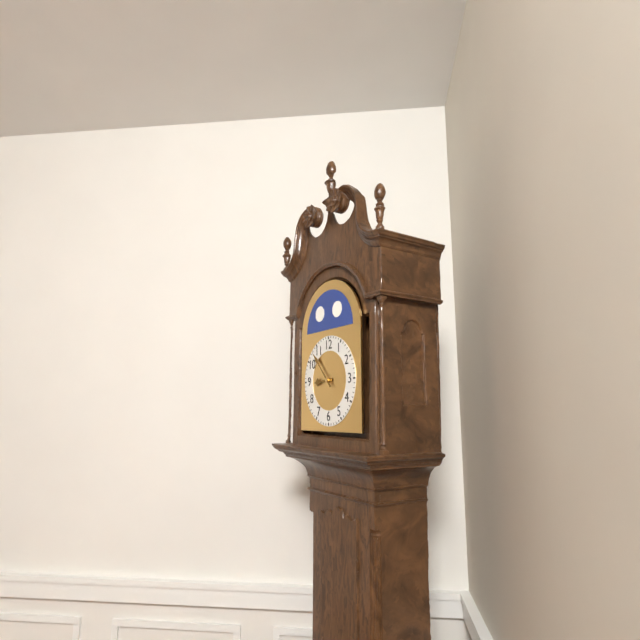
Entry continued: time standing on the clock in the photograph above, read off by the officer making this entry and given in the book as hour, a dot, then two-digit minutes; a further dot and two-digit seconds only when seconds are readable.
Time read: 8.53
